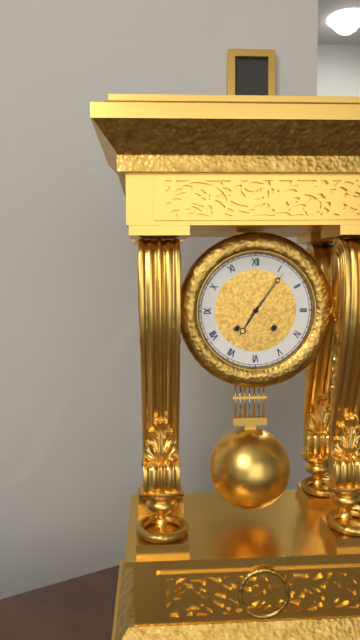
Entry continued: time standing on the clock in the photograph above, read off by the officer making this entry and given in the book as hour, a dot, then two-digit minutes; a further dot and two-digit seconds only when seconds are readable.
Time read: 7.06
